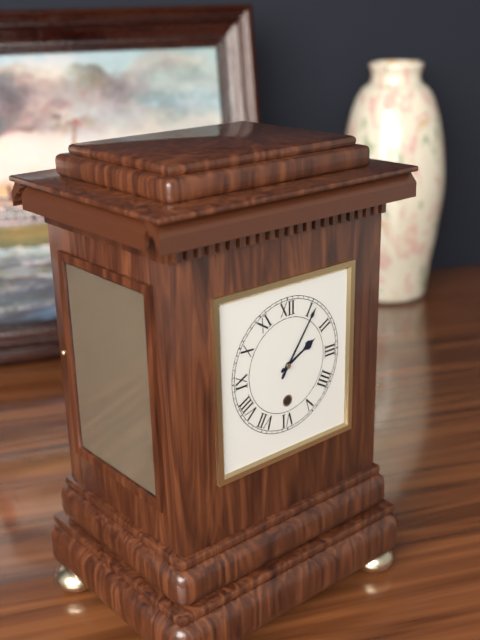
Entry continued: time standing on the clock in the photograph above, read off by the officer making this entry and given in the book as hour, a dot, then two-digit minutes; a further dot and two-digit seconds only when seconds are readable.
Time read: 2.06
